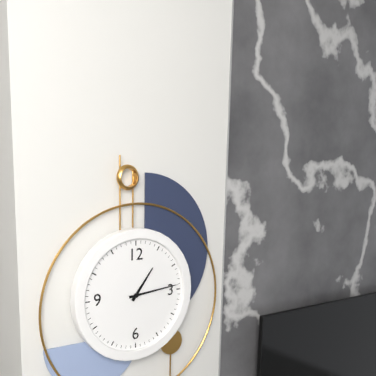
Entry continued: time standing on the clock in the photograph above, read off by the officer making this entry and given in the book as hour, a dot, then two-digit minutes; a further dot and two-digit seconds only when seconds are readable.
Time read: 1.14
